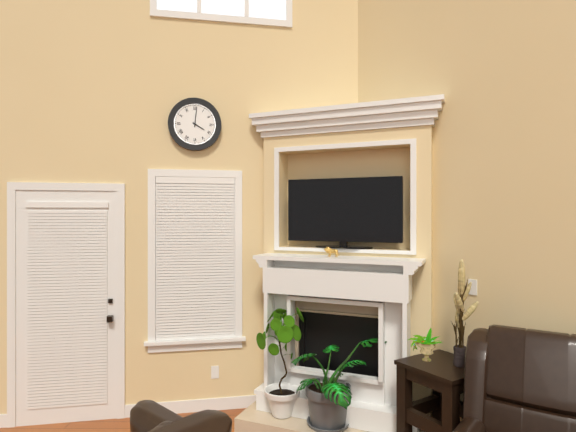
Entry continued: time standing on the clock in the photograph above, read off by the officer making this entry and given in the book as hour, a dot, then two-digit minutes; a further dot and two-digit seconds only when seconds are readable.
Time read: 4.01
